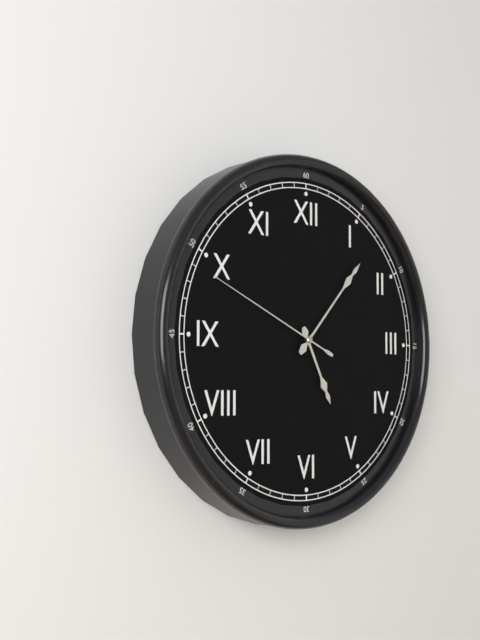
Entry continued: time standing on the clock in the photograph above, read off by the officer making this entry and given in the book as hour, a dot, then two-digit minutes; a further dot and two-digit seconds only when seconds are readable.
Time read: 5.07.49
